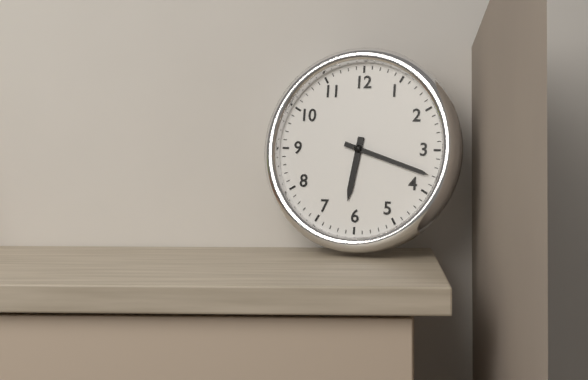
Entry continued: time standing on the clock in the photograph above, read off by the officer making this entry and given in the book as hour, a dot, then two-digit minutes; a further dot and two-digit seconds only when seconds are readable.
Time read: 6.18
